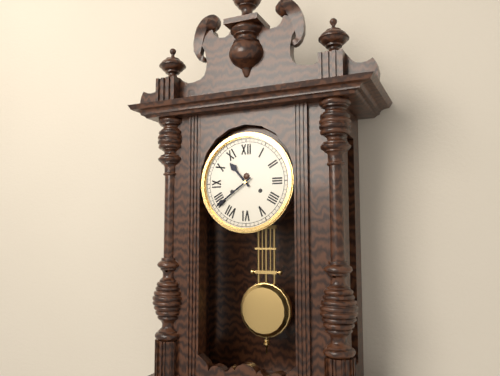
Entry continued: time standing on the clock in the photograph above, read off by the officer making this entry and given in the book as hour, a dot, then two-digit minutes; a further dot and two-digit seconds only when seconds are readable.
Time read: 10.39
